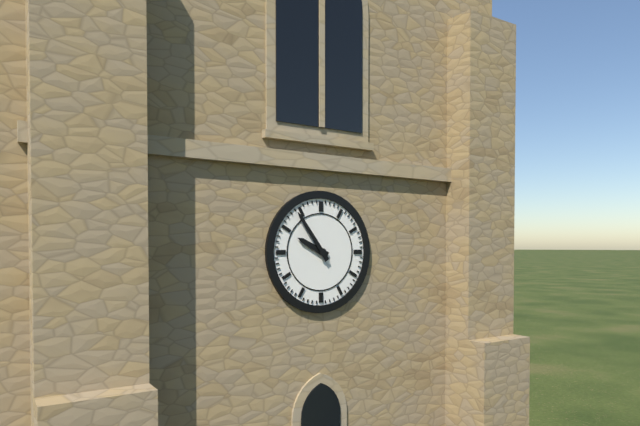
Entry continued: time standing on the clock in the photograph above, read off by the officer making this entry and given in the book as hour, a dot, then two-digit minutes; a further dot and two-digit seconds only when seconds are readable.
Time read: 9.54
